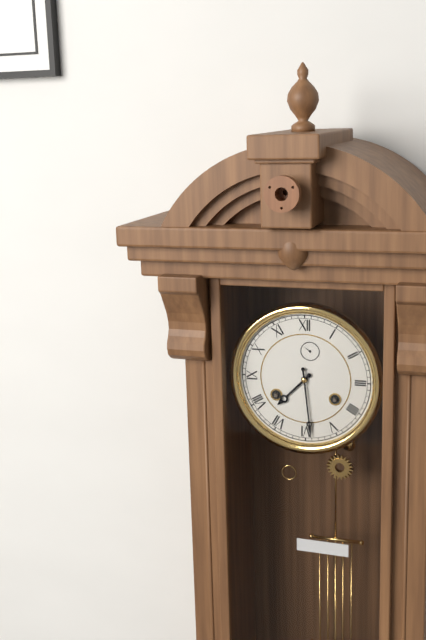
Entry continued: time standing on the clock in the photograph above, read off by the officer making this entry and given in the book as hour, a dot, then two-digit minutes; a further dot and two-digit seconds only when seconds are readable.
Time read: 7.29
